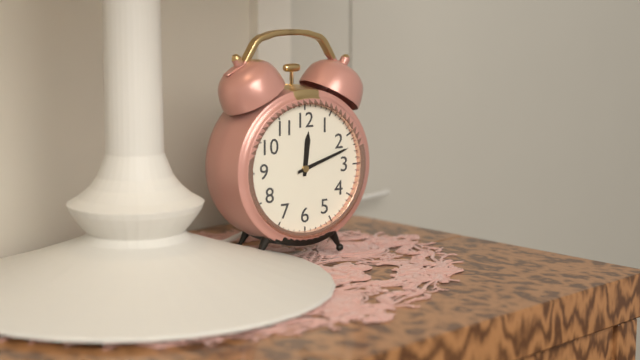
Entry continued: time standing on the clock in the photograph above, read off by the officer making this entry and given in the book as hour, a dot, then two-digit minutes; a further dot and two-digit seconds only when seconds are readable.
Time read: 12.12
